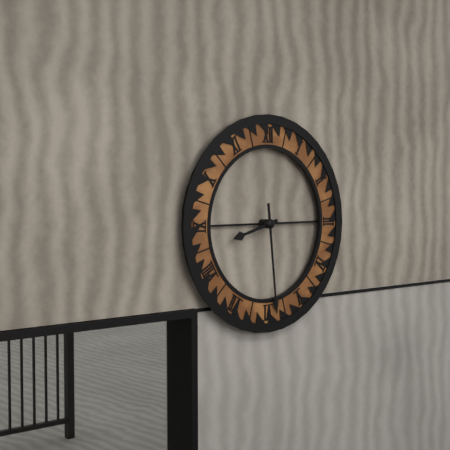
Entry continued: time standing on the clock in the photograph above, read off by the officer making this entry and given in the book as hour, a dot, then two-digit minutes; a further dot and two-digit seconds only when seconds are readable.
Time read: 8.29
